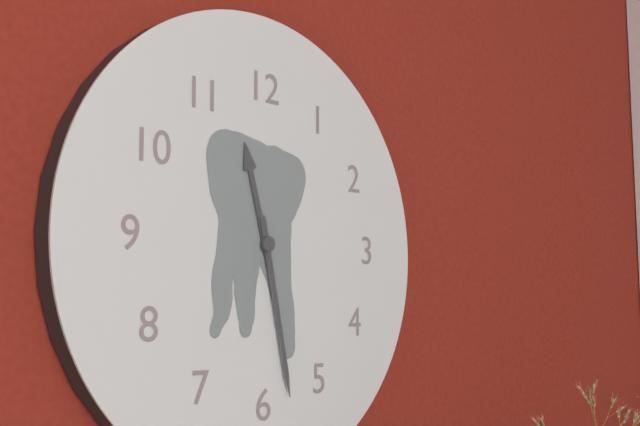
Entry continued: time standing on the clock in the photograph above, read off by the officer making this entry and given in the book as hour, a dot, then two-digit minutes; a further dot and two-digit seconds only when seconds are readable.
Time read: 11.28
